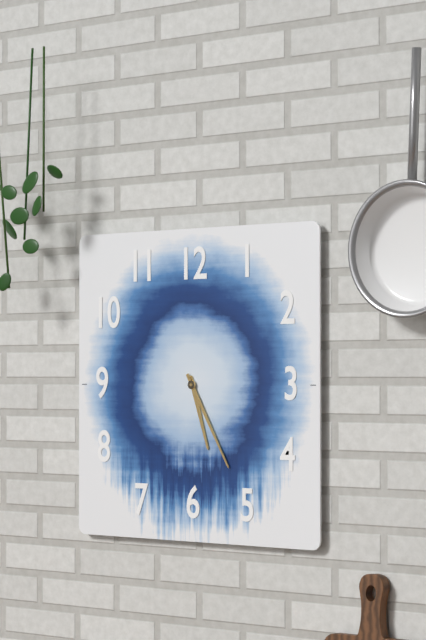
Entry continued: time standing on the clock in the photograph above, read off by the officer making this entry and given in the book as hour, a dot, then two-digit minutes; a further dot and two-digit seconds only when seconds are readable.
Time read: 5.25
